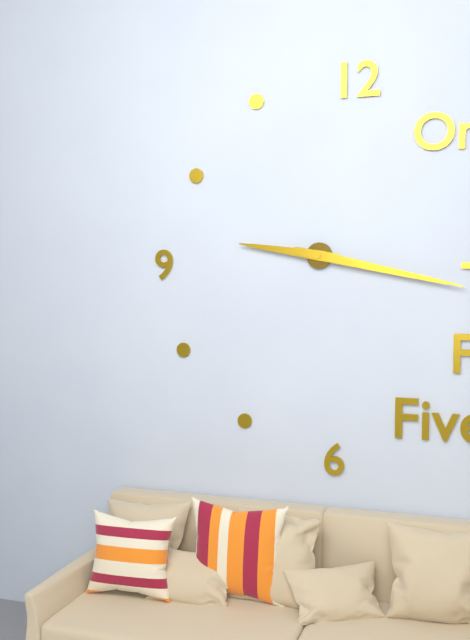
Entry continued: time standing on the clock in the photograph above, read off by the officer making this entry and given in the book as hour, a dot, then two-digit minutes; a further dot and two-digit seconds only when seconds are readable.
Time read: 9.17
